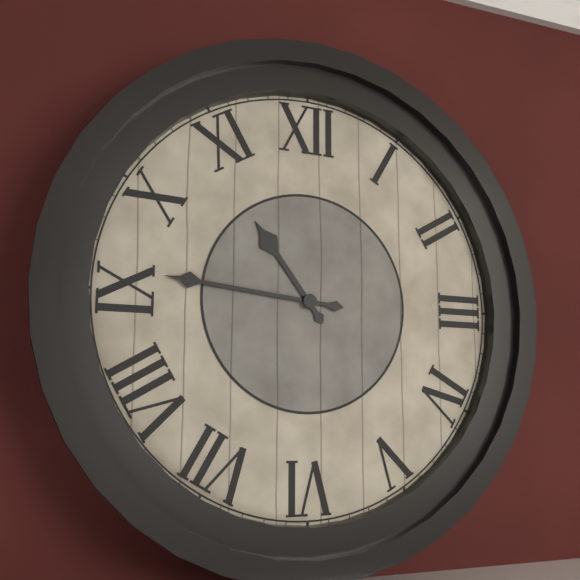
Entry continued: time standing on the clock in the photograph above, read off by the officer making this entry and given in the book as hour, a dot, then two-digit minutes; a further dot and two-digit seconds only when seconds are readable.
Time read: 10.46
